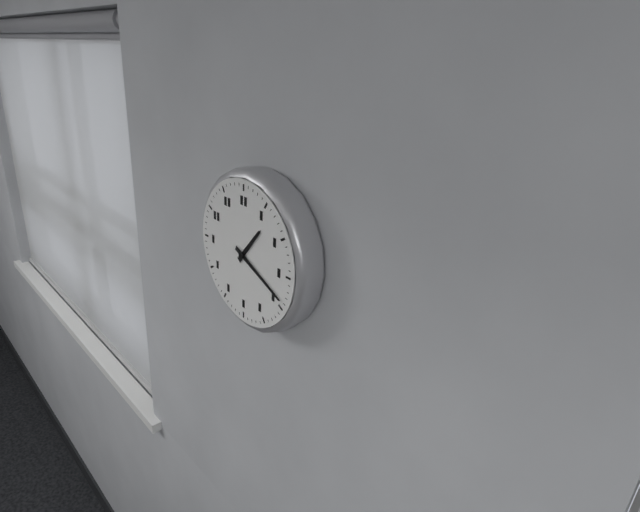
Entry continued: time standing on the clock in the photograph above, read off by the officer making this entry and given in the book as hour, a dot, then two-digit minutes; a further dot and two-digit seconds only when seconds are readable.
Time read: 1.19
